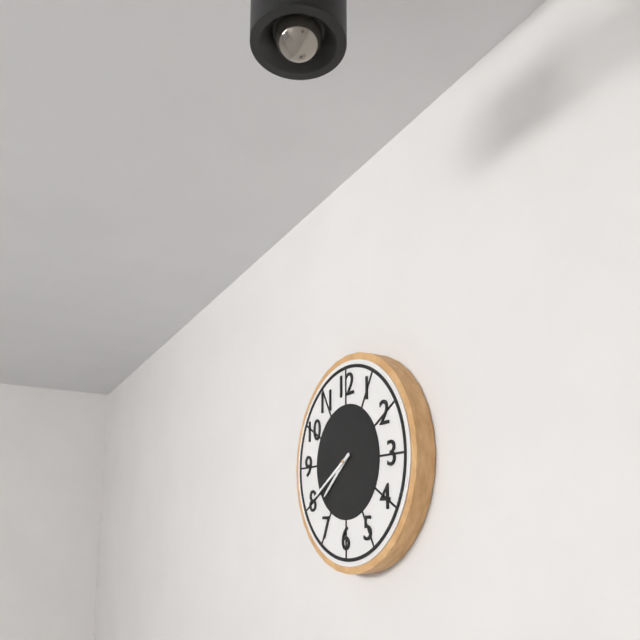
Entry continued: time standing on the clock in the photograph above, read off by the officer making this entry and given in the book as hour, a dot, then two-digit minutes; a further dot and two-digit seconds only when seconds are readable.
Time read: 7.40
